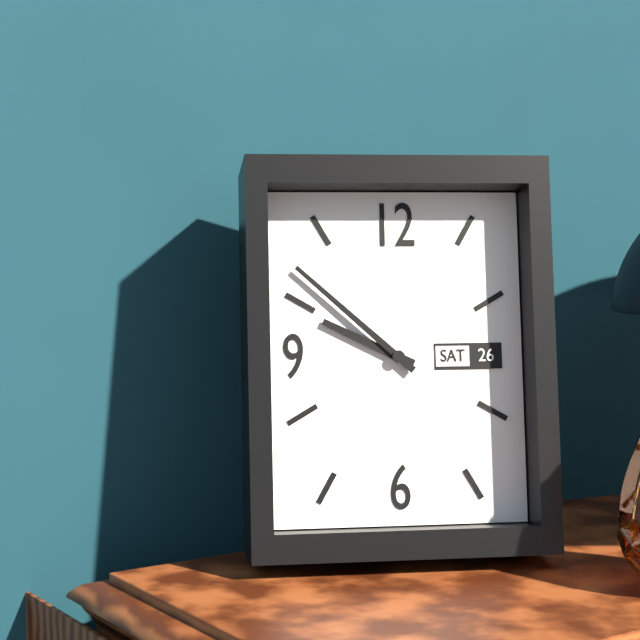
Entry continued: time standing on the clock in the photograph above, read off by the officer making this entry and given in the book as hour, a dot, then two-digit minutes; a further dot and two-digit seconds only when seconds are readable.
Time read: 9.52
